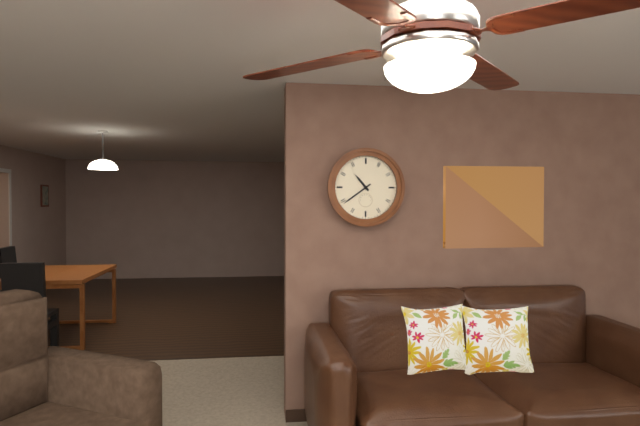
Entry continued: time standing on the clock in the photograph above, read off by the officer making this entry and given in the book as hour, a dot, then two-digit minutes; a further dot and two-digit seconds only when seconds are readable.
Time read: 10.39
